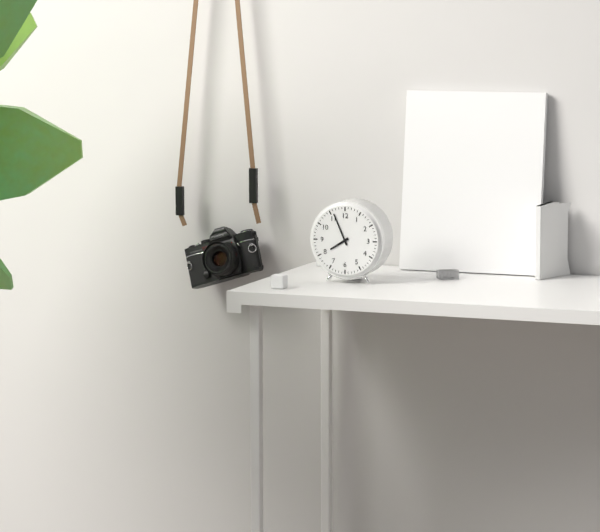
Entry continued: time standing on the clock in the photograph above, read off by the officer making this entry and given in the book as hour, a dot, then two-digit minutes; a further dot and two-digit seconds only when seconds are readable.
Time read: 7.56
